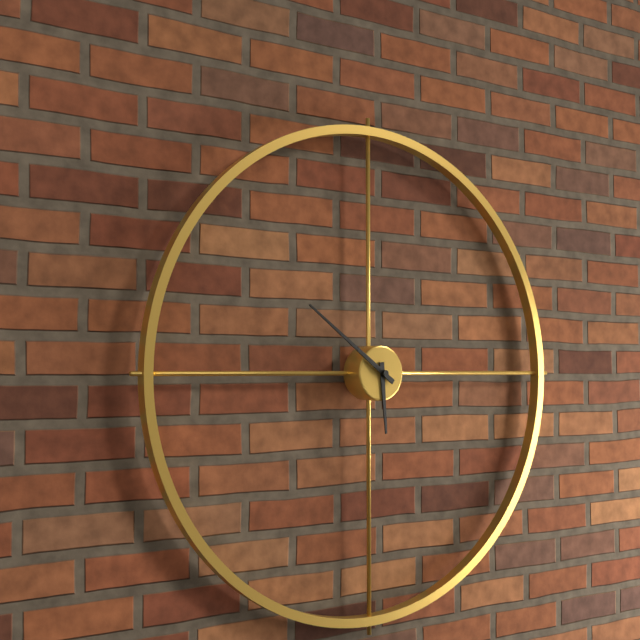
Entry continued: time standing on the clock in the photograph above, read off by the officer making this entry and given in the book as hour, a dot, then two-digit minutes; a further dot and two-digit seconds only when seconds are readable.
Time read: 5.51
